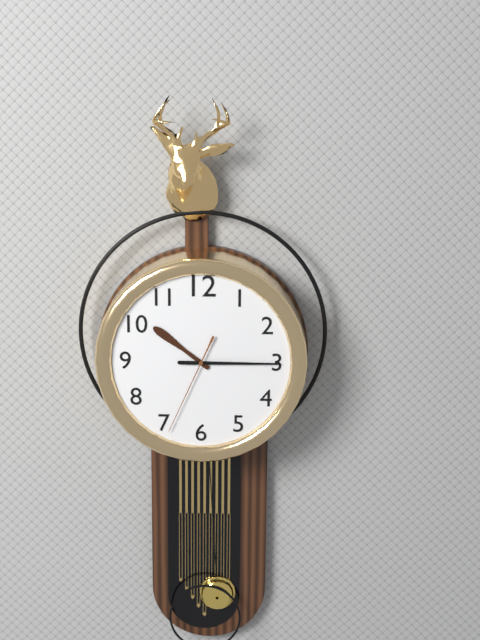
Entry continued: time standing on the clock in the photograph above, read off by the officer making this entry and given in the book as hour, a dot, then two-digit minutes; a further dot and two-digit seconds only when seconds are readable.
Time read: 10.15.34
